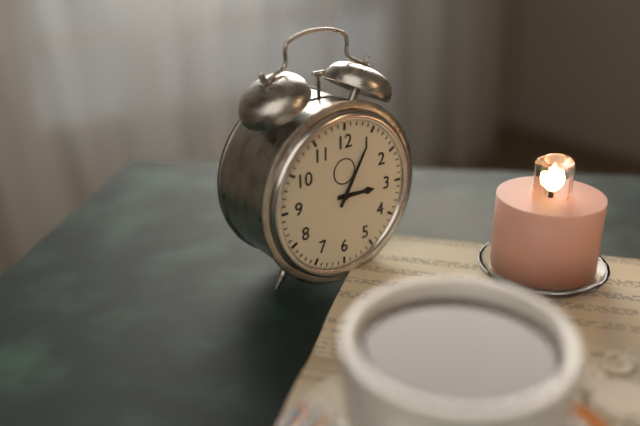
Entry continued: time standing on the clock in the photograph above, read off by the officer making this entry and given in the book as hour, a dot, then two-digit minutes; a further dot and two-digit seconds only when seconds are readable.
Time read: 3.05
